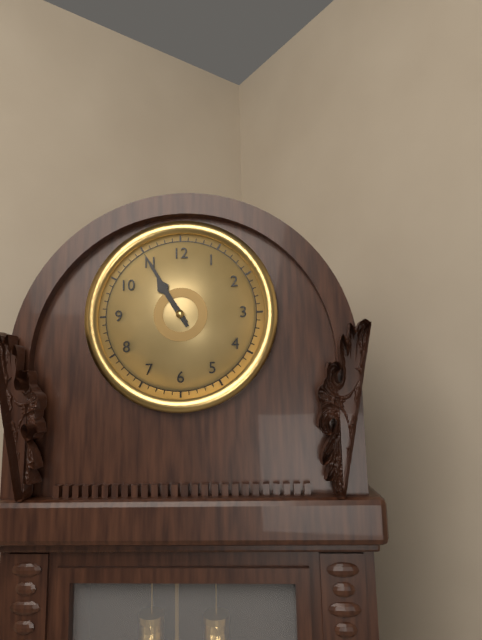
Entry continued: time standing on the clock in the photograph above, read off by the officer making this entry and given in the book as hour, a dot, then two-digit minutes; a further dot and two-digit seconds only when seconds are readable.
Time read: 10.55
